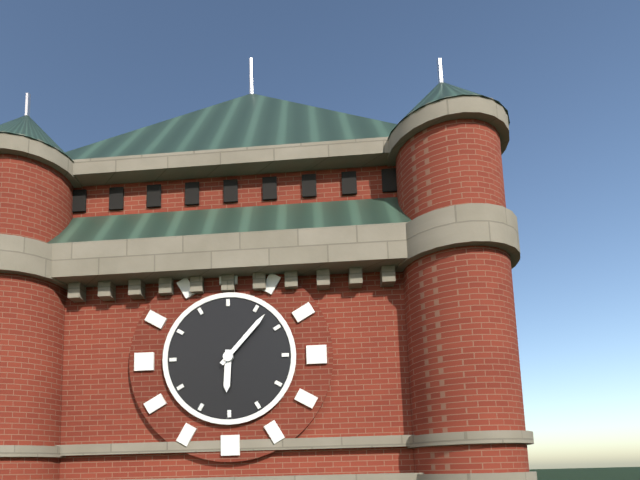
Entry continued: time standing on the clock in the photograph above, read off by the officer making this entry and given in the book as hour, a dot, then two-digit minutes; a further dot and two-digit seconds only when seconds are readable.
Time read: 6.07
